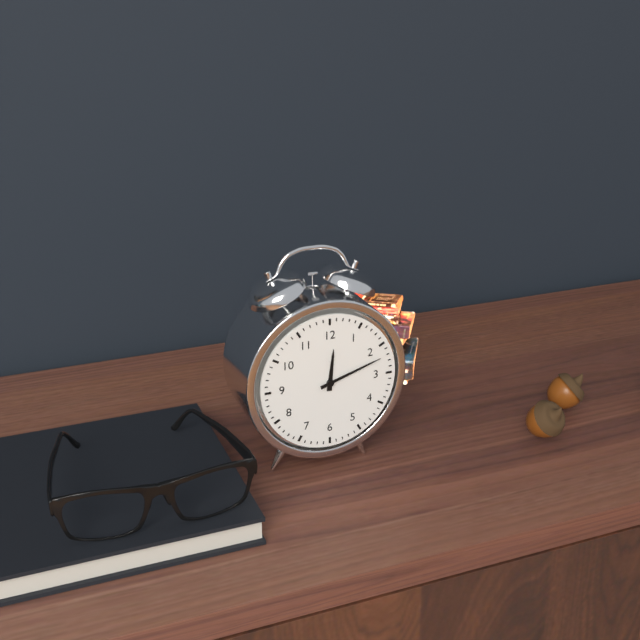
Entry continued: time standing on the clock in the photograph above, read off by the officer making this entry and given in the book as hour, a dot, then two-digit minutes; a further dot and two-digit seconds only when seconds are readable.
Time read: 12.12
